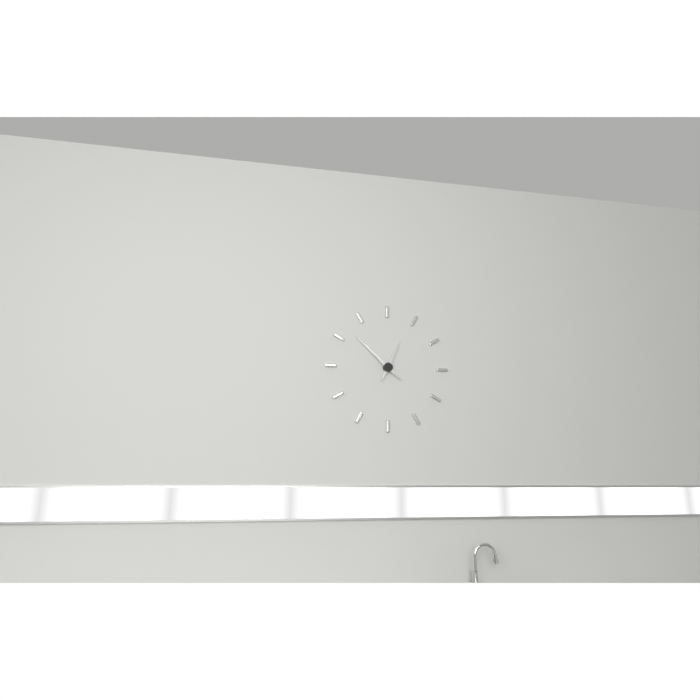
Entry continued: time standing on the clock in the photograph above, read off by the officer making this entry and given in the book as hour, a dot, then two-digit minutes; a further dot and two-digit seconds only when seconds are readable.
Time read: 12.52
